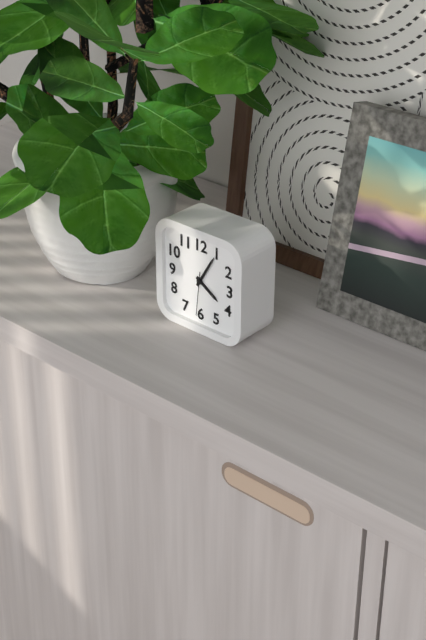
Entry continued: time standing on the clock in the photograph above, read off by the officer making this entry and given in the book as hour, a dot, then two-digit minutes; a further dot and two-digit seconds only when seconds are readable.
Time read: 4.05
